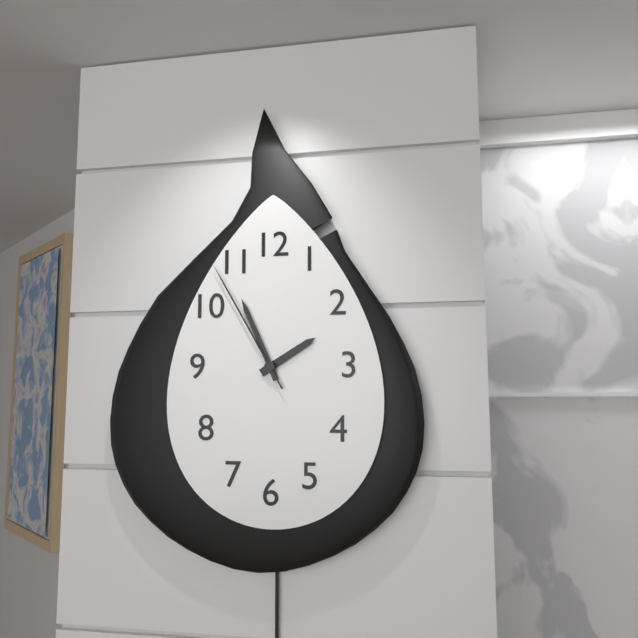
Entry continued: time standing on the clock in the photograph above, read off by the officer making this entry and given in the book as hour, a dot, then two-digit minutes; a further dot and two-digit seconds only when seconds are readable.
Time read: 1.56.55
